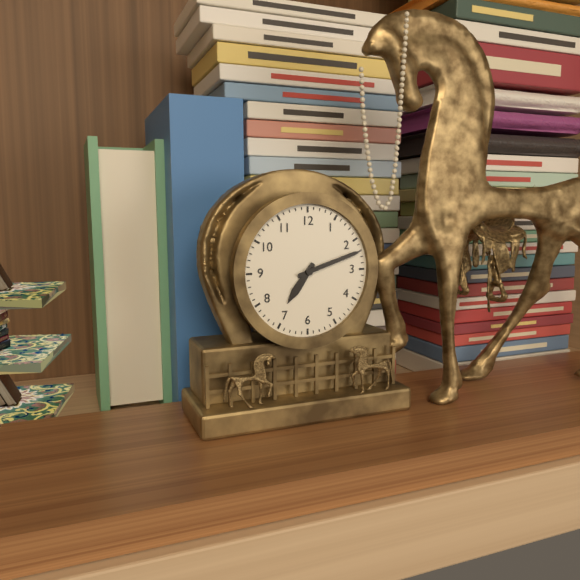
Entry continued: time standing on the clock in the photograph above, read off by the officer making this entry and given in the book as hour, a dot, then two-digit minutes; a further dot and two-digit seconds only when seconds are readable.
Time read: 7.12
